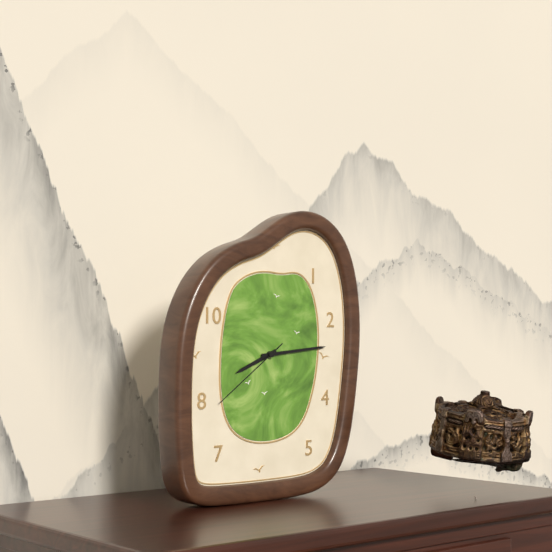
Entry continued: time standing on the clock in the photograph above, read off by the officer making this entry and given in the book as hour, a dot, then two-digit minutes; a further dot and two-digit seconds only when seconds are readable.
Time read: 8.14.39
